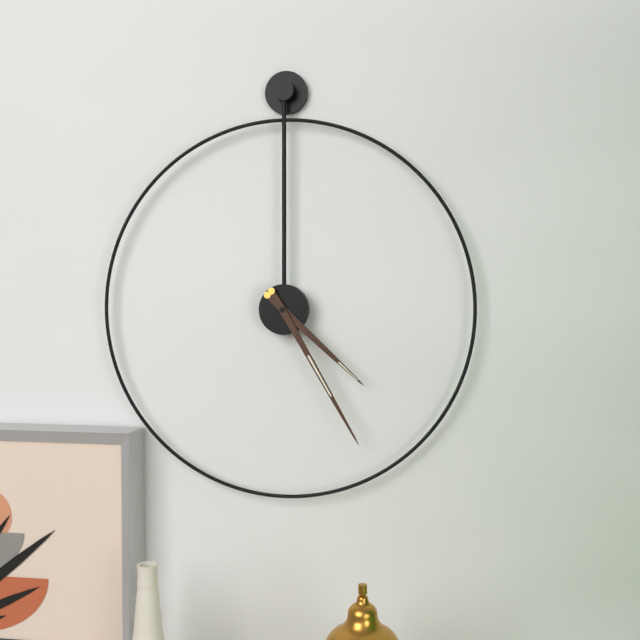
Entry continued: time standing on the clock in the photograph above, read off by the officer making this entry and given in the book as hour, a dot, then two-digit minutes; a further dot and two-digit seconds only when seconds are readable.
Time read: 4.25
